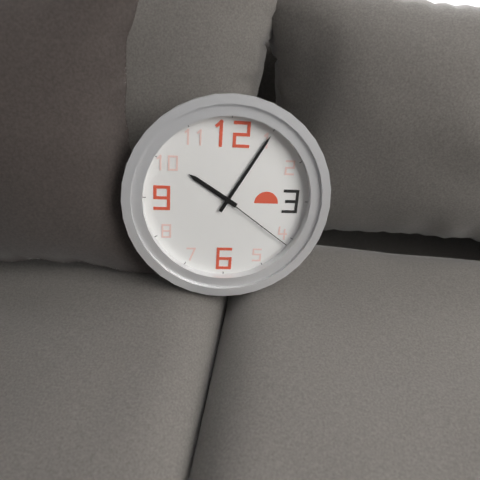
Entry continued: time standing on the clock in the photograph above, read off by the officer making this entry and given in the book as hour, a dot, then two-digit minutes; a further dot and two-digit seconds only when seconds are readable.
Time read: 10.05.21
